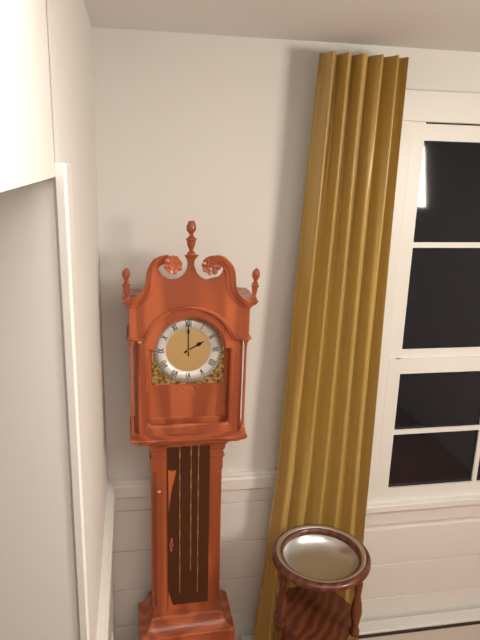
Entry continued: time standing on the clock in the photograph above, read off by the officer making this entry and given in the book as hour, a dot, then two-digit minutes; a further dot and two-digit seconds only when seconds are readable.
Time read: 2.00
